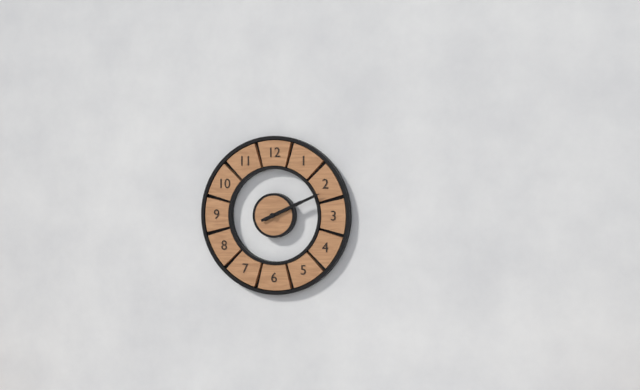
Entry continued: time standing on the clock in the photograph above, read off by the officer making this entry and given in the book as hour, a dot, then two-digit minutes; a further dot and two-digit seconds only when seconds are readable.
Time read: 2.11
